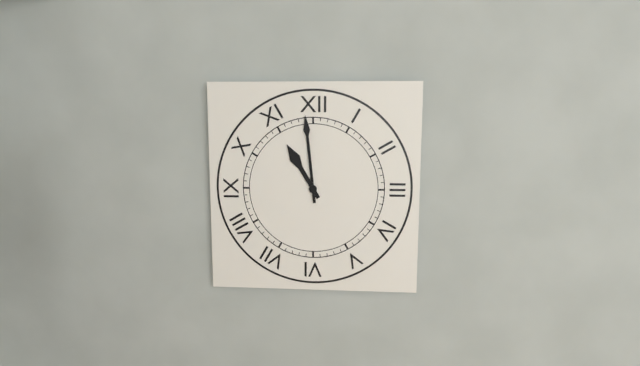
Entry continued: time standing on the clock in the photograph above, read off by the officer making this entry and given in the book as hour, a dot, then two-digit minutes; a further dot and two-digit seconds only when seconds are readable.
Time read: 10.59
